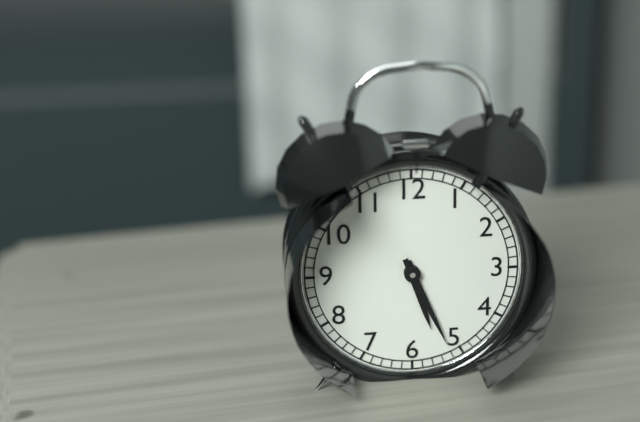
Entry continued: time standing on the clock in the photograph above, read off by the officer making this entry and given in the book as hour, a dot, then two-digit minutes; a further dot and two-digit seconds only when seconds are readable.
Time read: 5.26
